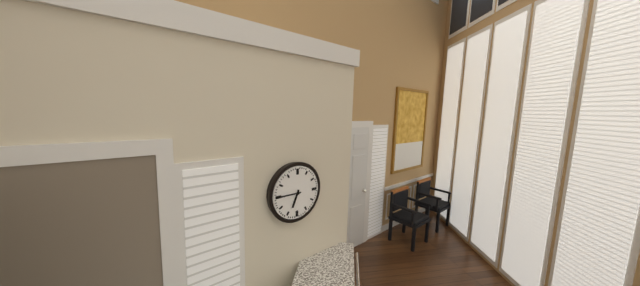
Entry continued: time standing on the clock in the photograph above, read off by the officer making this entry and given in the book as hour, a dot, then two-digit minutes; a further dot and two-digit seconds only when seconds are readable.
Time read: 6.45
